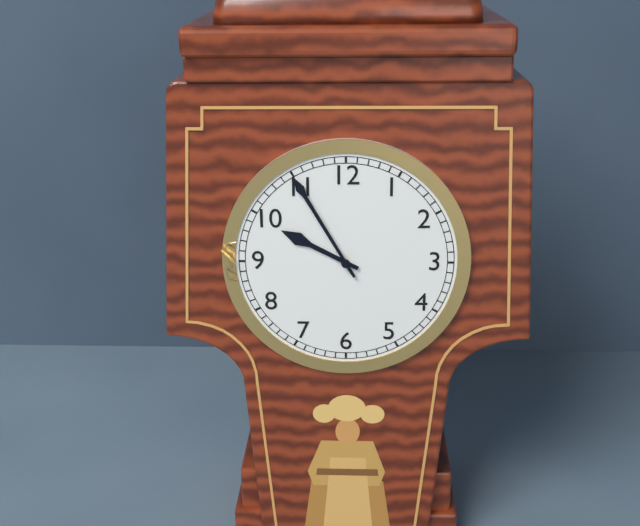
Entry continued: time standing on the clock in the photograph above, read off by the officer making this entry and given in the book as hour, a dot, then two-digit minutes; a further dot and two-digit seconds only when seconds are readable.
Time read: 9.55
